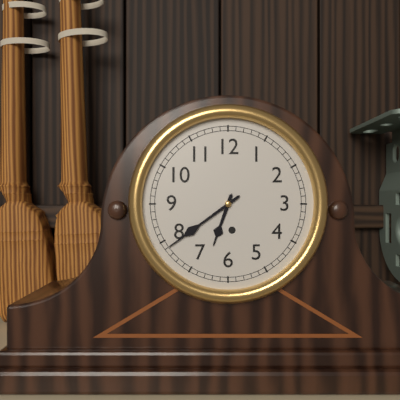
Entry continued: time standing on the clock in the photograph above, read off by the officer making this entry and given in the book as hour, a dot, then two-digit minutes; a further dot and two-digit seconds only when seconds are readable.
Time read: 6.39
